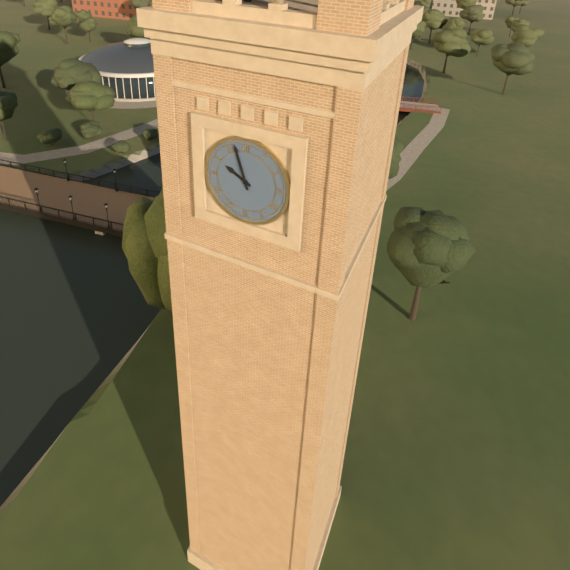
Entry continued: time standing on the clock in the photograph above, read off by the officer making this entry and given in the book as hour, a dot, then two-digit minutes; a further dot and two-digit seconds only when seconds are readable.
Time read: 9.57
